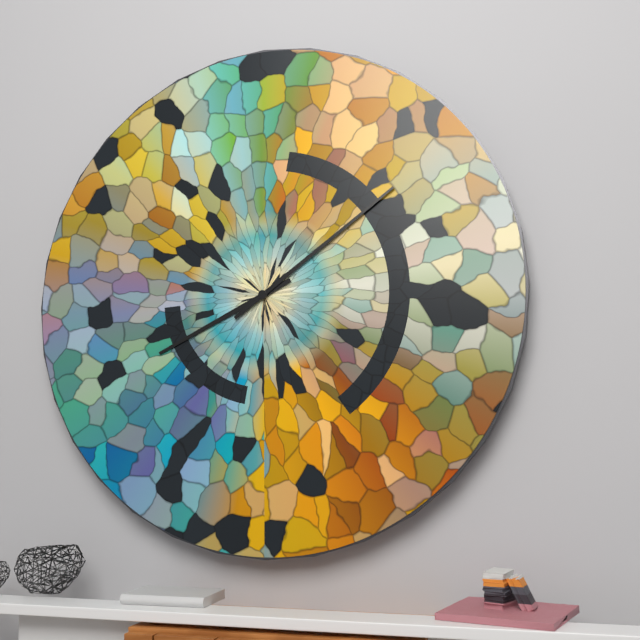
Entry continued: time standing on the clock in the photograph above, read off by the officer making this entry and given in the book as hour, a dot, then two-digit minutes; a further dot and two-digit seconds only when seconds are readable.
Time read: 8.09
